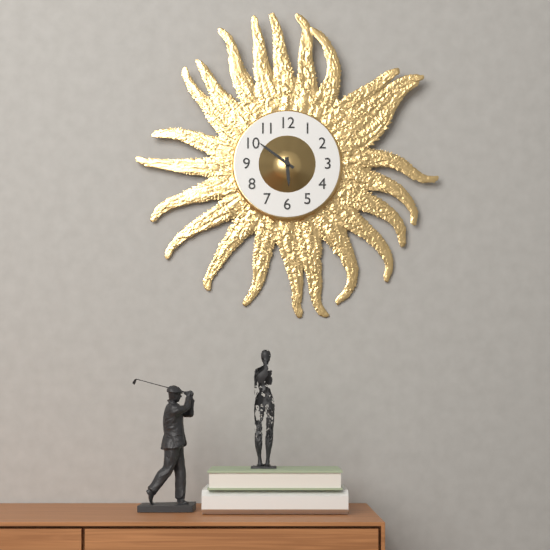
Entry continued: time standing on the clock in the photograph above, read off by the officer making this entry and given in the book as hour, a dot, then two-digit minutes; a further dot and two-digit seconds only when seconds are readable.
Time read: 5.51
